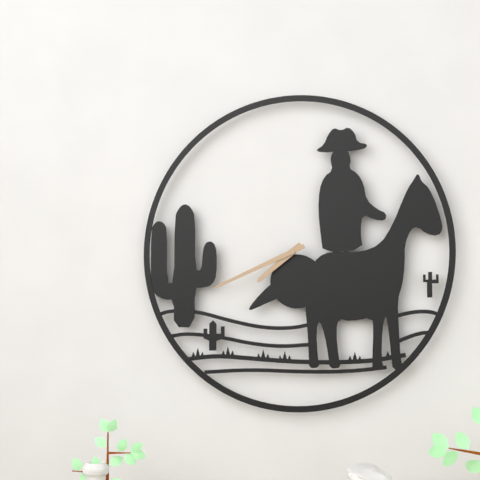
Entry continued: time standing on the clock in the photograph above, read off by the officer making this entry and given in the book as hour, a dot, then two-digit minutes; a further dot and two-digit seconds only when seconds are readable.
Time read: 7.41
